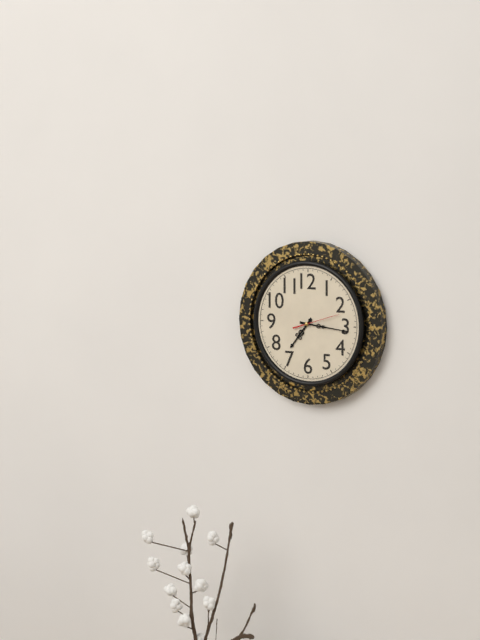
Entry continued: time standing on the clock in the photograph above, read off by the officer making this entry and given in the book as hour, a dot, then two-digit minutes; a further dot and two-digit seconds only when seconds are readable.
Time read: 7.16
